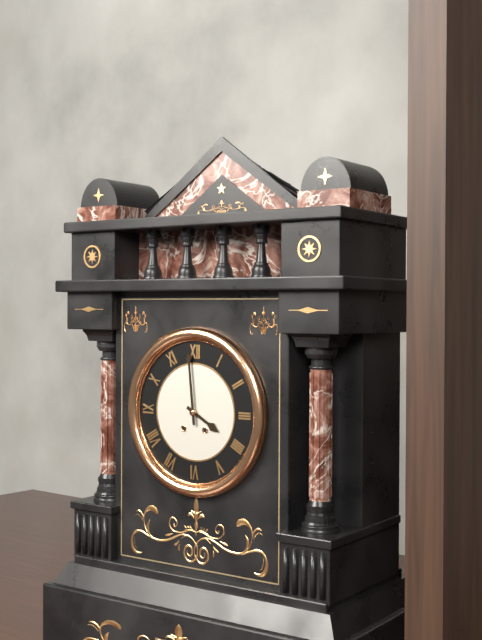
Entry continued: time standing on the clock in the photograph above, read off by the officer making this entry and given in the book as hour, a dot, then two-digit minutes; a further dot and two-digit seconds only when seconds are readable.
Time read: 3.59
